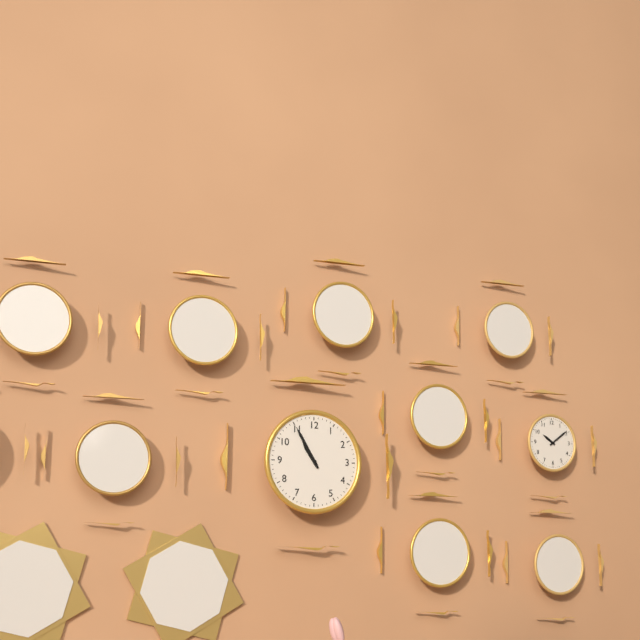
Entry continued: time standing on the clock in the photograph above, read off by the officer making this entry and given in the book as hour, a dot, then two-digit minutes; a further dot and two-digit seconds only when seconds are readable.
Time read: 10.55
